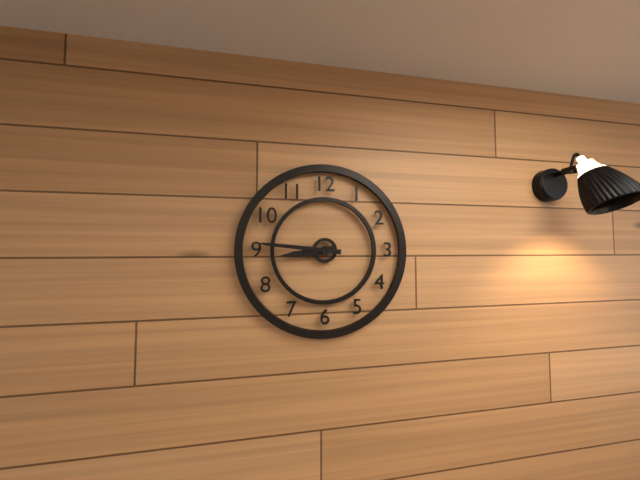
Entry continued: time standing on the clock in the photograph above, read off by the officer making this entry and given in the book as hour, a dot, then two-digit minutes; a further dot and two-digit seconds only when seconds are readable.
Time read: 8.46
